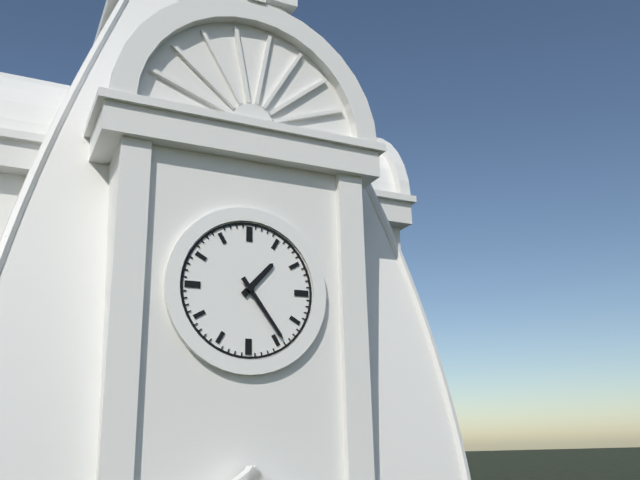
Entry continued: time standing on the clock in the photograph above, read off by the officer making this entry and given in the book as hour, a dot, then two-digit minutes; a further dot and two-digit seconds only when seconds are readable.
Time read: 1.24
